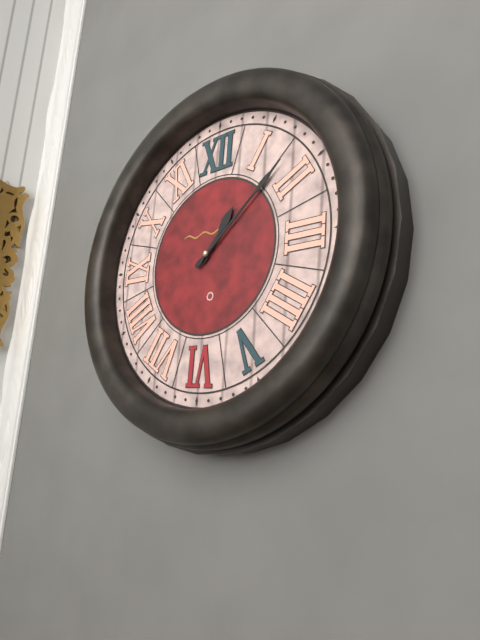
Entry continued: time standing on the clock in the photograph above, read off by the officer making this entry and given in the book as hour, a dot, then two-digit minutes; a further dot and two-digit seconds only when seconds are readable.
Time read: 1.08
